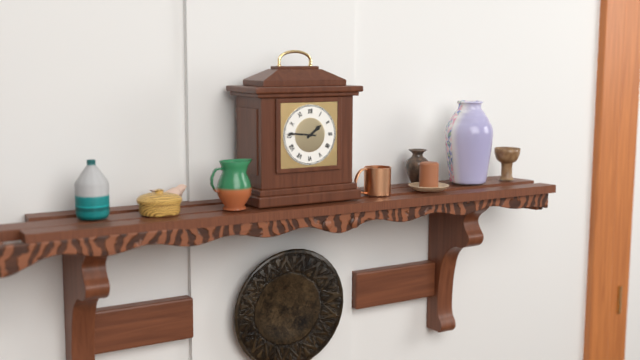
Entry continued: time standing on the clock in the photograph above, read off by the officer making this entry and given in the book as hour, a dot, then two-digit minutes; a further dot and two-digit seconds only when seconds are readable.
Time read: 1.46
